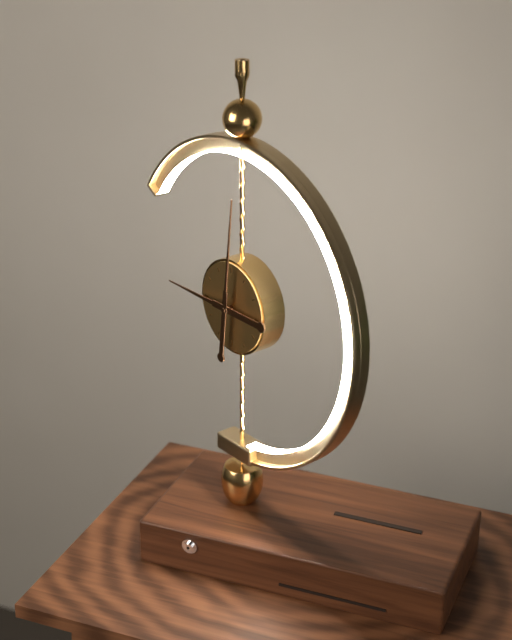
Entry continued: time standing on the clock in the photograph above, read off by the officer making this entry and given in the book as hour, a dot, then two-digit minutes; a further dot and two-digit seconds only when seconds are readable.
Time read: 9.01
